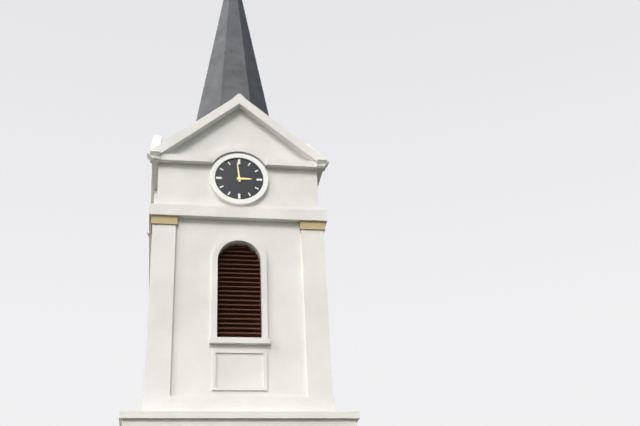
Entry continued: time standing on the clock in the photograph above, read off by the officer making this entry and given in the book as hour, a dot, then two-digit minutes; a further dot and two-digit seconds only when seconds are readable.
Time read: 2.59
